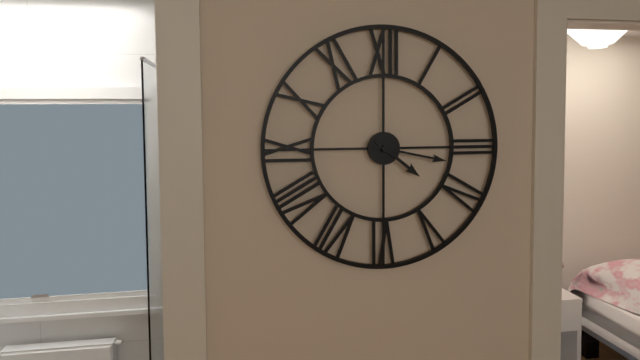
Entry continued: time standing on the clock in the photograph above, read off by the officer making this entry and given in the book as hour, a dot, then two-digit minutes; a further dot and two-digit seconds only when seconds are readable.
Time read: 4.17
